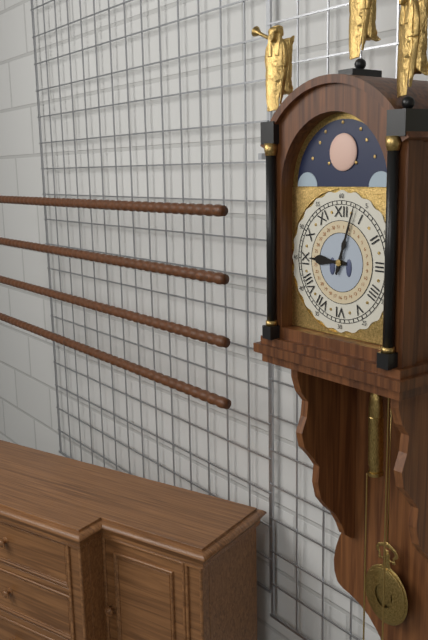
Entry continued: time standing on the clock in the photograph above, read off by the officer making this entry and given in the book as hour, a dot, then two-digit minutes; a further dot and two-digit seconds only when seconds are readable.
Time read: 9.03
